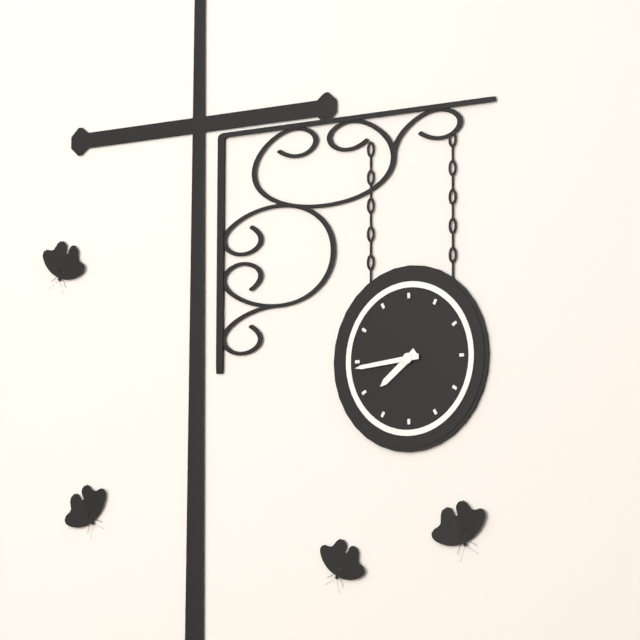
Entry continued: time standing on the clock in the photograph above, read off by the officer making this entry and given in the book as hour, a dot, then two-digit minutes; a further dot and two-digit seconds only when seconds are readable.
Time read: 7.44
